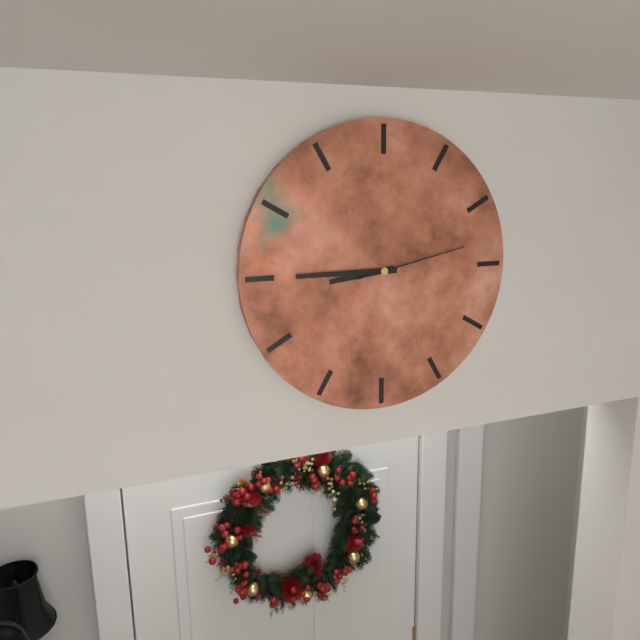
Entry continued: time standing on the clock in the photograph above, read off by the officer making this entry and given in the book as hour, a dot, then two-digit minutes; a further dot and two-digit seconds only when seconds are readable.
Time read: 8.45.13
